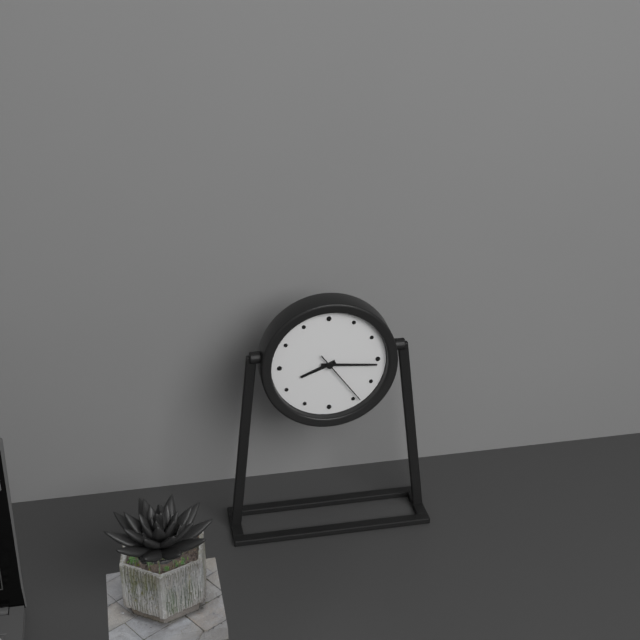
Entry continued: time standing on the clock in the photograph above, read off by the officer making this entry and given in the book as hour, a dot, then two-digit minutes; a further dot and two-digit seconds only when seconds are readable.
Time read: 8.16.24
